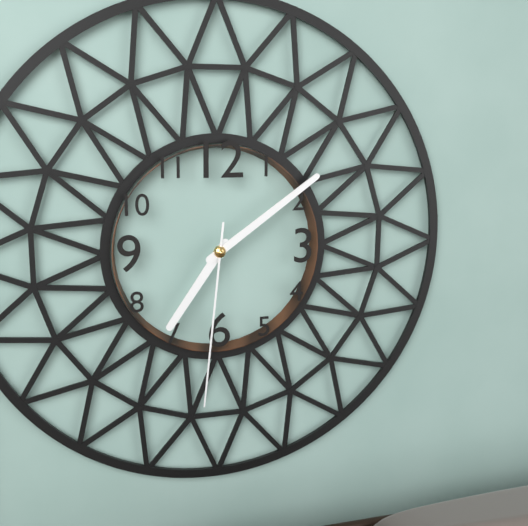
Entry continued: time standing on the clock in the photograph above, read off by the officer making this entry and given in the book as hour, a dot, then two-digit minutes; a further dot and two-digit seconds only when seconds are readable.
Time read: 7.09.31
